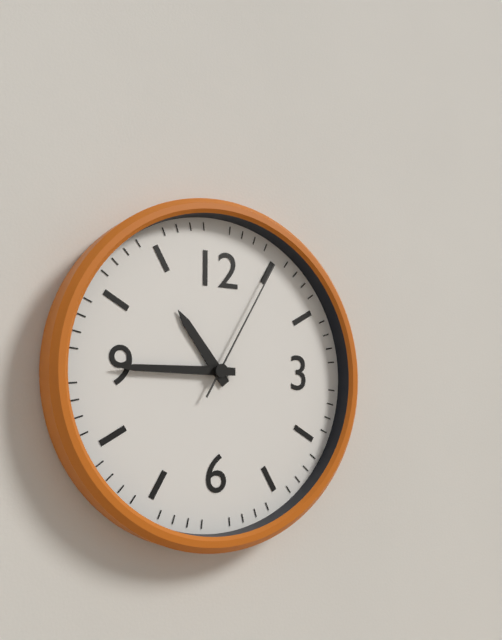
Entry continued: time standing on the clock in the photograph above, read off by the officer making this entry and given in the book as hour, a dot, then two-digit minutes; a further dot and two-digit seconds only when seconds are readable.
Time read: 10.45.05
